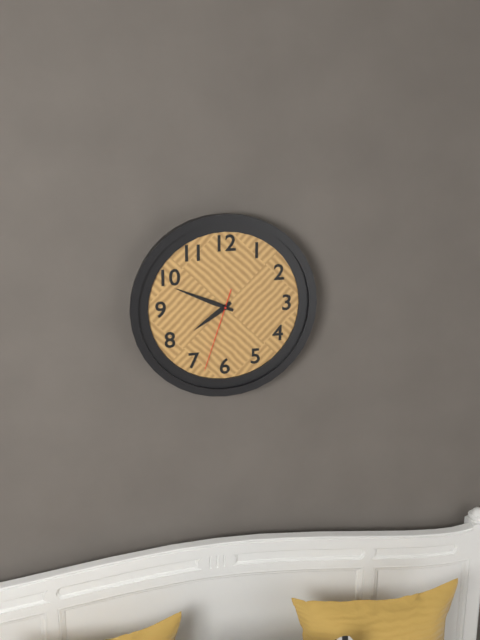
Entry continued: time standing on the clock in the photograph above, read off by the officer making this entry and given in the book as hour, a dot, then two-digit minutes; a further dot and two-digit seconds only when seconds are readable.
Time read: 7.49.33
